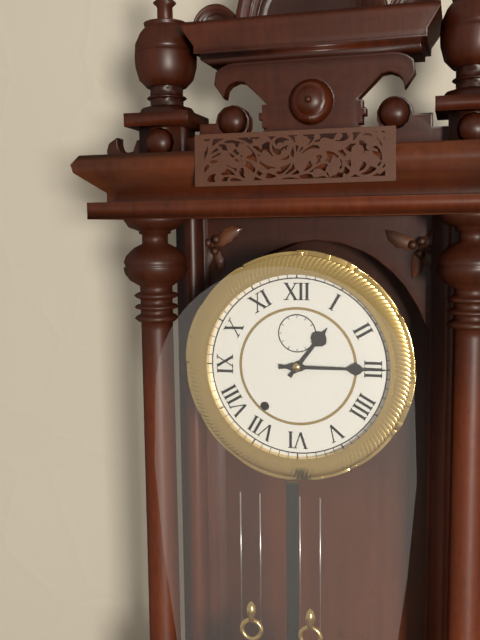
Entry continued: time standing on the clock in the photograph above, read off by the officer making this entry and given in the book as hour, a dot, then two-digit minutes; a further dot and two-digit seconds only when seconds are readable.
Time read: 1.15
